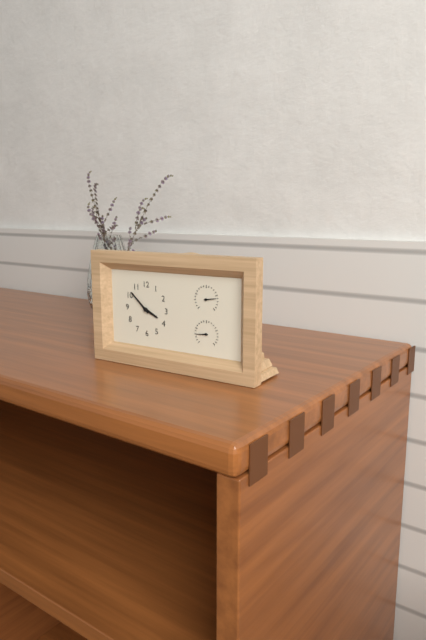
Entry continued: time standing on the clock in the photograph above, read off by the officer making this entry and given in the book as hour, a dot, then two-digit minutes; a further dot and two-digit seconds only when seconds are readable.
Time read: 3.52
